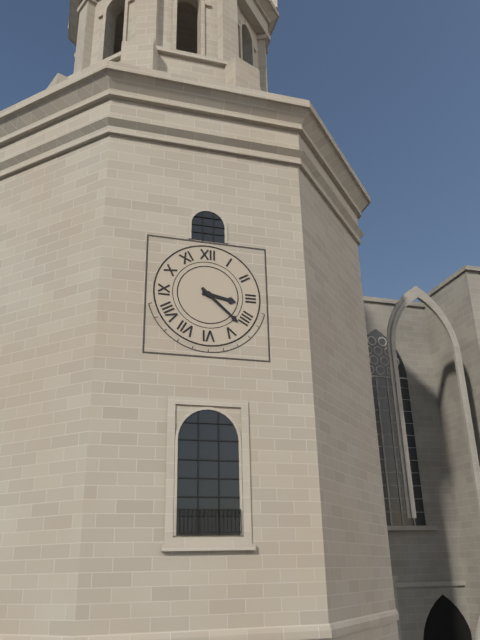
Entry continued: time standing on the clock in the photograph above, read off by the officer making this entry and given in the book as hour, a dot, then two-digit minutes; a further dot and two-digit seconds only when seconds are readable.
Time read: 3.22
